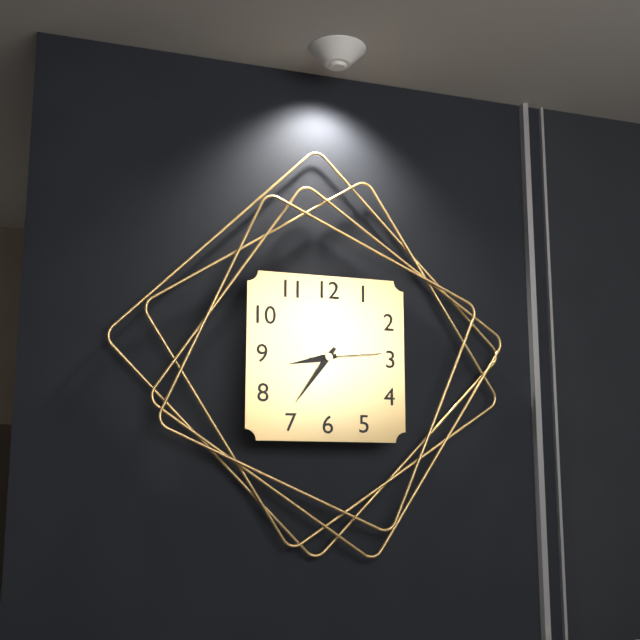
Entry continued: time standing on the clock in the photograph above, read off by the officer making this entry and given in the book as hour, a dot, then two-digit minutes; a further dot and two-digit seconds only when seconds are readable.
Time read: 8.36.14
